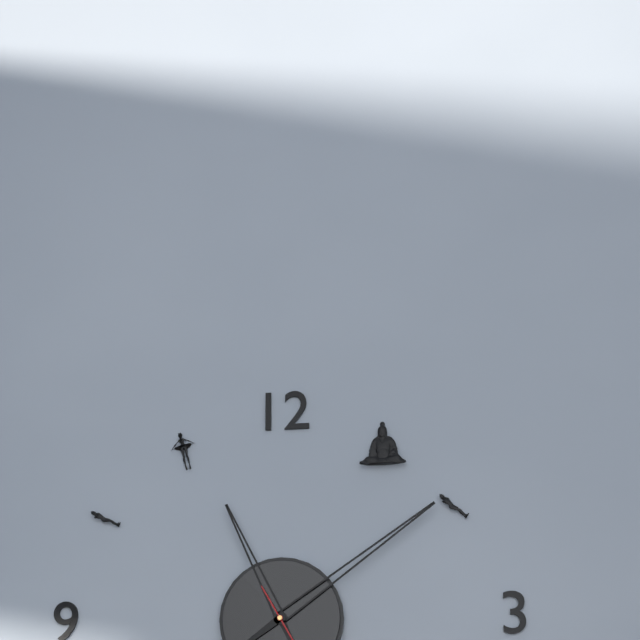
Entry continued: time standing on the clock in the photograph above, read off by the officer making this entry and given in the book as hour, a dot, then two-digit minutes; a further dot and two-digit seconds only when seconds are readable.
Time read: 11.09
